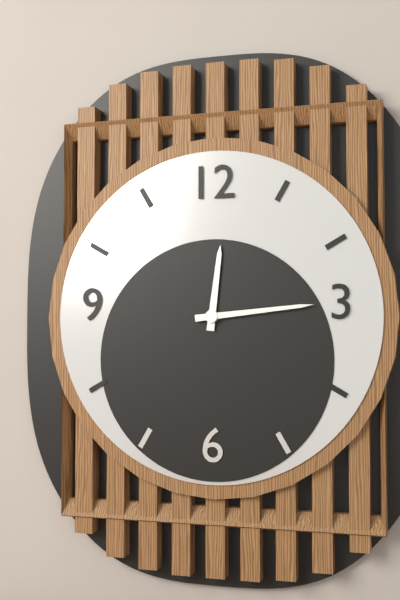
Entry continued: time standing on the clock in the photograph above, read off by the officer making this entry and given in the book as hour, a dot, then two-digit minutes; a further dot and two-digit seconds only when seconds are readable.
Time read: 12.14
